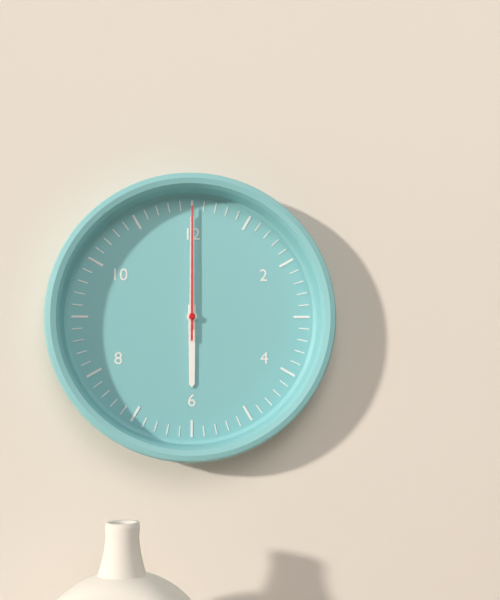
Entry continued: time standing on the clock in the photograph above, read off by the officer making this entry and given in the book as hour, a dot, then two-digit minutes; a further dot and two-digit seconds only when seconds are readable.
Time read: 6.00.00
